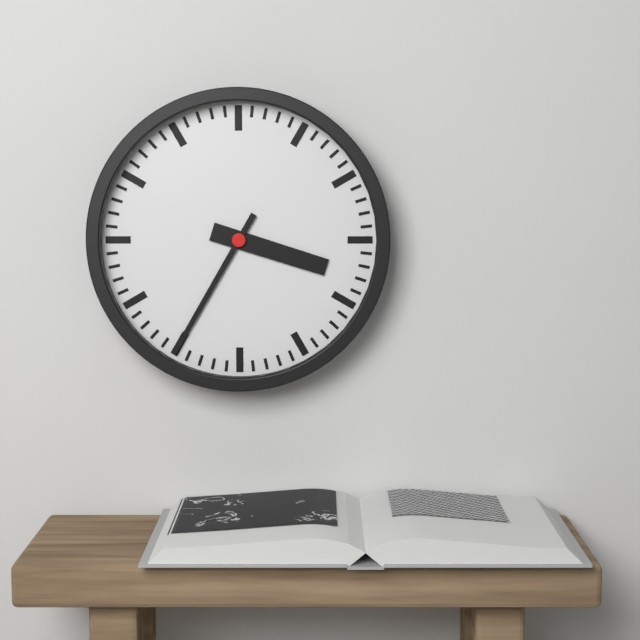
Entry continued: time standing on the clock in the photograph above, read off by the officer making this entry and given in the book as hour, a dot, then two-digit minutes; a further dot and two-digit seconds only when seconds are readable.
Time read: 3.35
